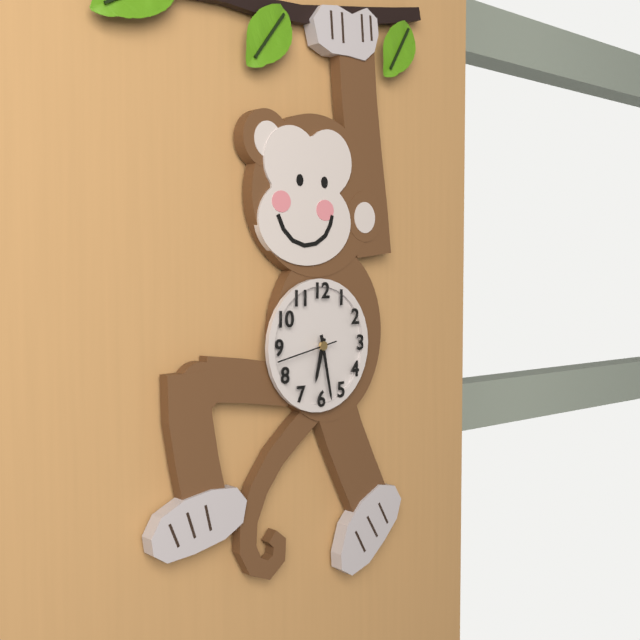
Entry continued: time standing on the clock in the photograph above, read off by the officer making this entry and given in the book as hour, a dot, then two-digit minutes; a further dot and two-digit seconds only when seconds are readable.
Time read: 6.28
